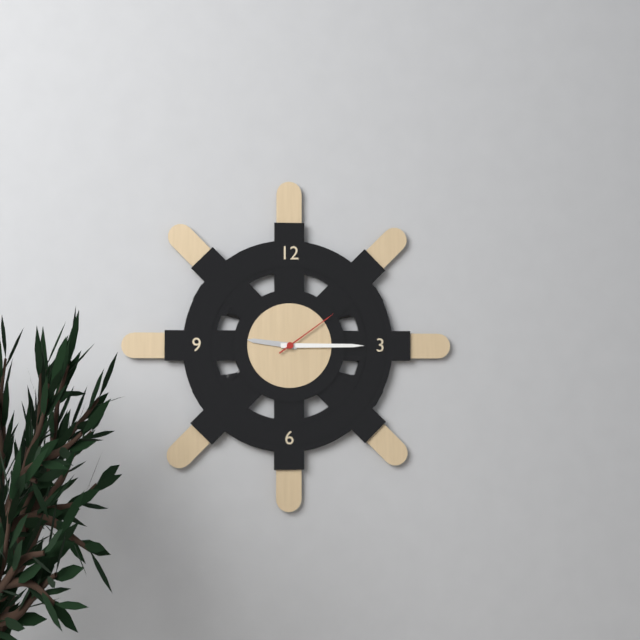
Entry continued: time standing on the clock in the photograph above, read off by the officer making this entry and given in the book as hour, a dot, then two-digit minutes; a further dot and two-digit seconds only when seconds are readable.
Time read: 9.15.09
